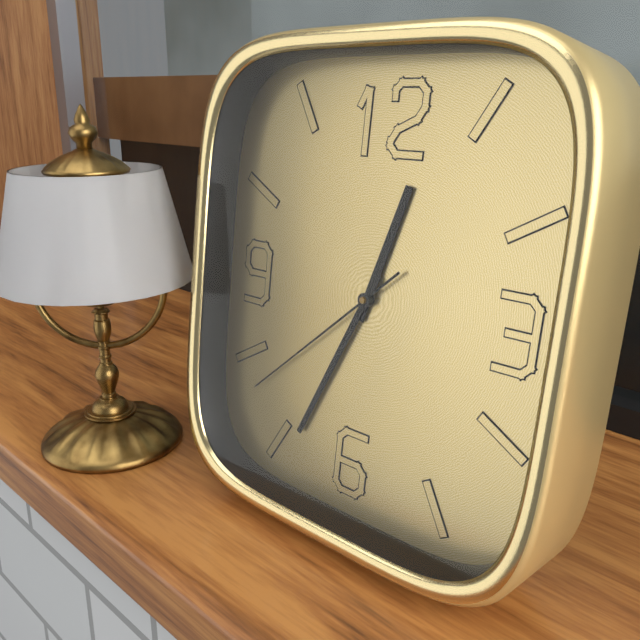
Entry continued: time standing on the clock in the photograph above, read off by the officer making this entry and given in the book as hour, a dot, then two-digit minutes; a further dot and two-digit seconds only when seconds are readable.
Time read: 12.34.38
